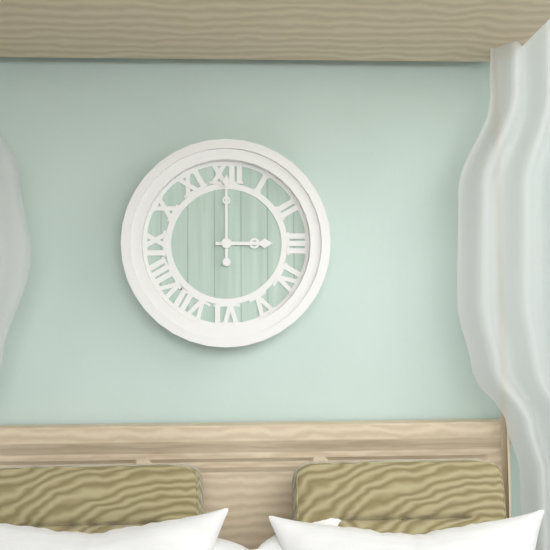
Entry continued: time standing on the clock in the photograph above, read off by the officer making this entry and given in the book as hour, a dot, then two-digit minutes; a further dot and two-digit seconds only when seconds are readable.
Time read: 3.00
